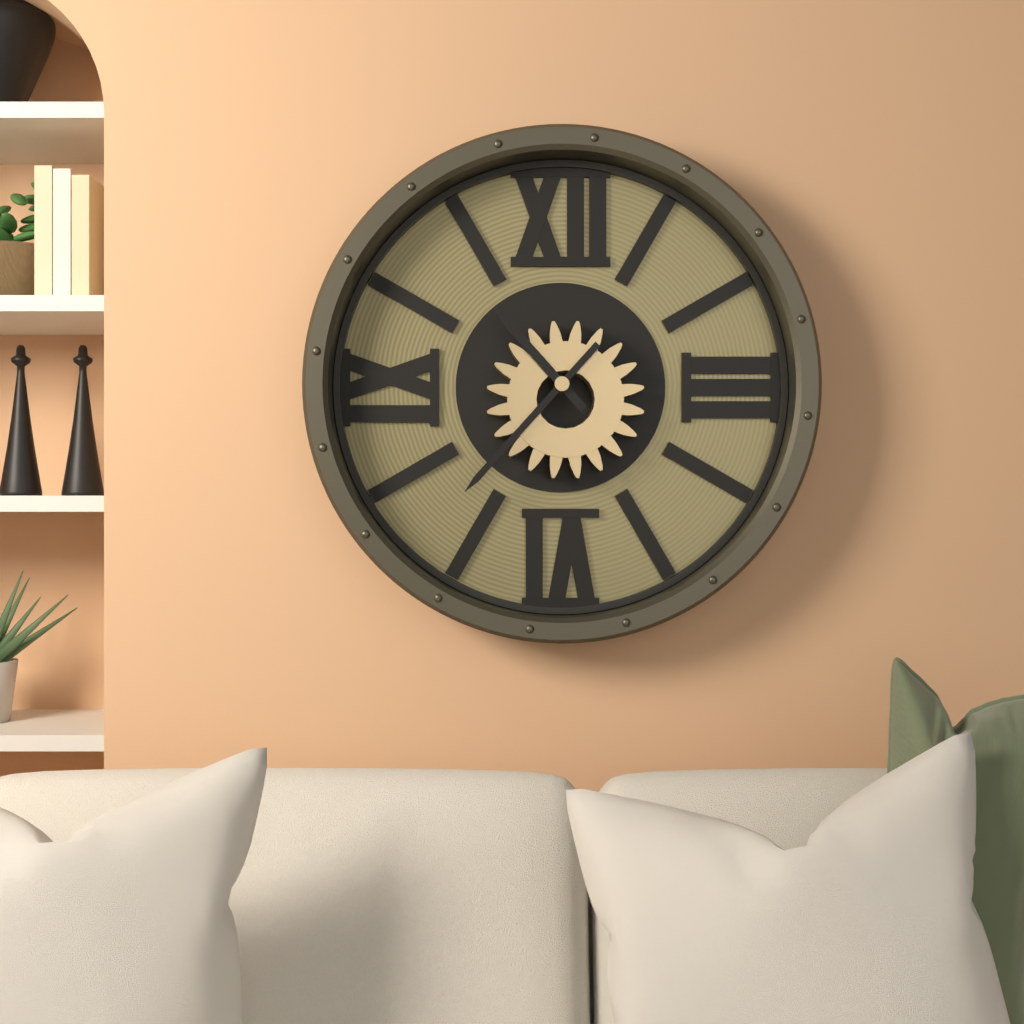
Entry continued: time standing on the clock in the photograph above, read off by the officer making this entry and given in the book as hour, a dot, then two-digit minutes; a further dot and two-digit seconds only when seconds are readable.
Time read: 10.37
